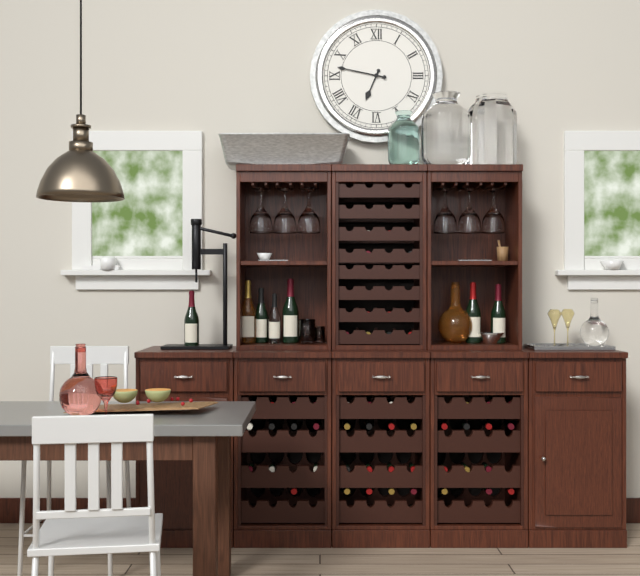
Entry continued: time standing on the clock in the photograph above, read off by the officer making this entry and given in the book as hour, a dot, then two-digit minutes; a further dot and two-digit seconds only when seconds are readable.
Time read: 6.47
